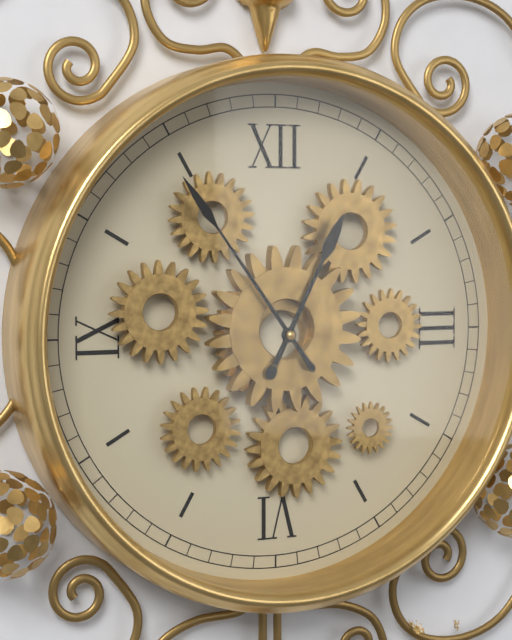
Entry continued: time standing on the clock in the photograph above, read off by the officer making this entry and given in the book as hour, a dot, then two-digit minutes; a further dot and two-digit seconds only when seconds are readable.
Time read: 12.54
